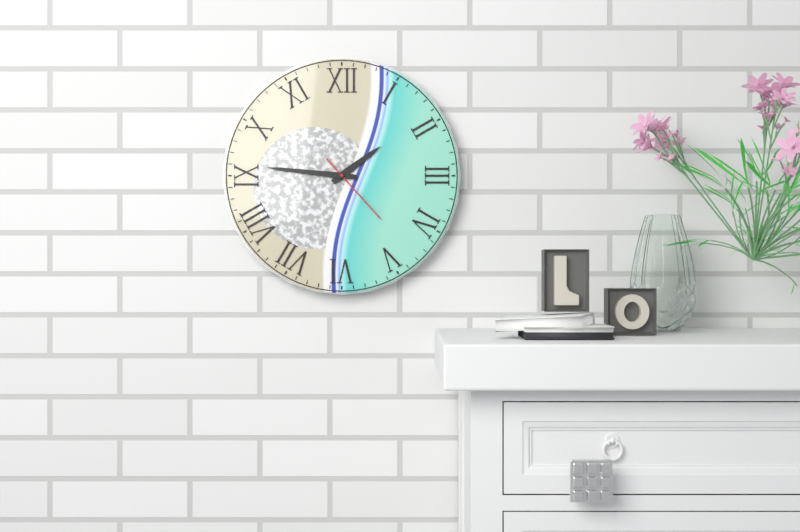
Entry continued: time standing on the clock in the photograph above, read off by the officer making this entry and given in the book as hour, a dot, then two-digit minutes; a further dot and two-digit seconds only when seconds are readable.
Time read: 1.46.23
